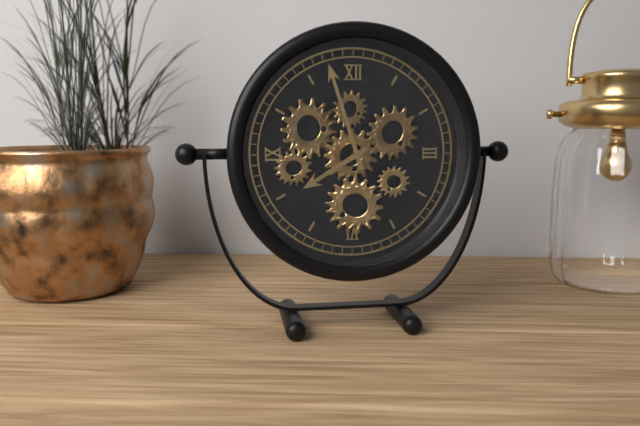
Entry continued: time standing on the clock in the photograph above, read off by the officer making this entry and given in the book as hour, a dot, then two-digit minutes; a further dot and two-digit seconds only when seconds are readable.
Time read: 7.57
